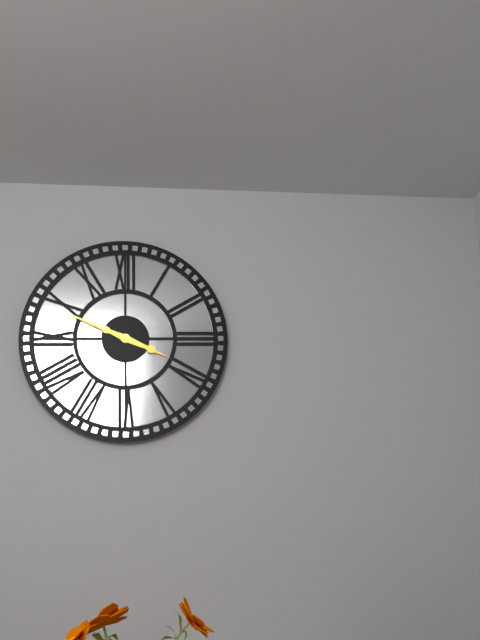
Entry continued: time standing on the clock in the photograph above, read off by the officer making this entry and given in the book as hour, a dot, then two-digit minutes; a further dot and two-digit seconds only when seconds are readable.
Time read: 3.49
